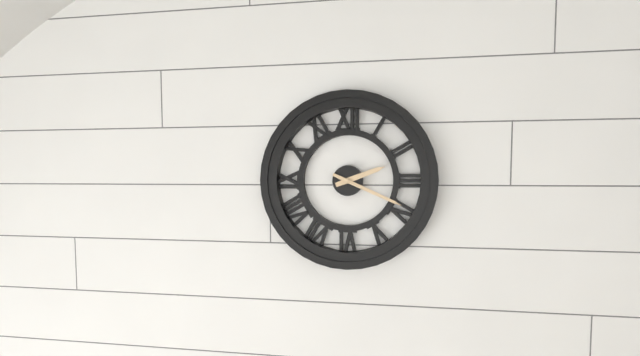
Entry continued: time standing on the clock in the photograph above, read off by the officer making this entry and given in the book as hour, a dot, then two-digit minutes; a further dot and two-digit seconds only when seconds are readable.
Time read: 2.19
